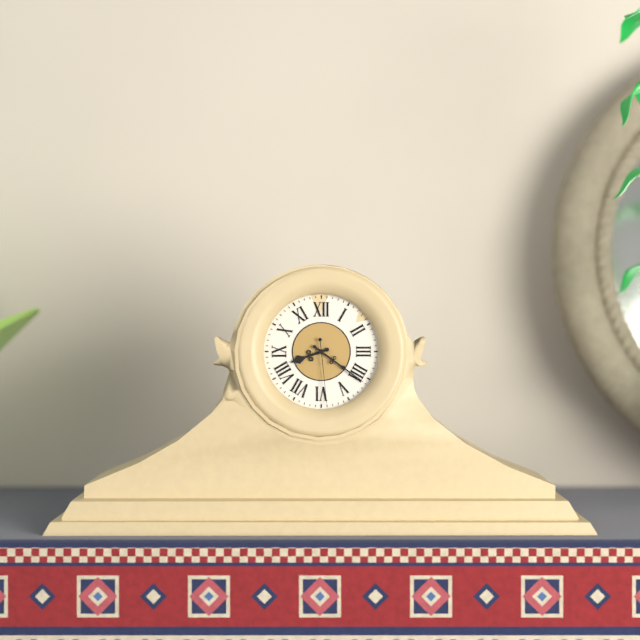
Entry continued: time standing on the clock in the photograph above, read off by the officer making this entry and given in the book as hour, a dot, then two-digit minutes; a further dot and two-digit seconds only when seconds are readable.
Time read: 8.21.29
